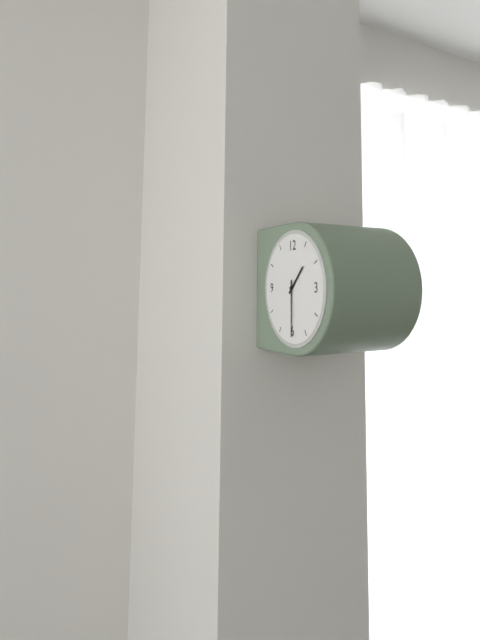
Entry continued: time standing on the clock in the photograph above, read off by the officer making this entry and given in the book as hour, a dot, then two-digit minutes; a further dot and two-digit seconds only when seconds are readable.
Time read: 1.30
